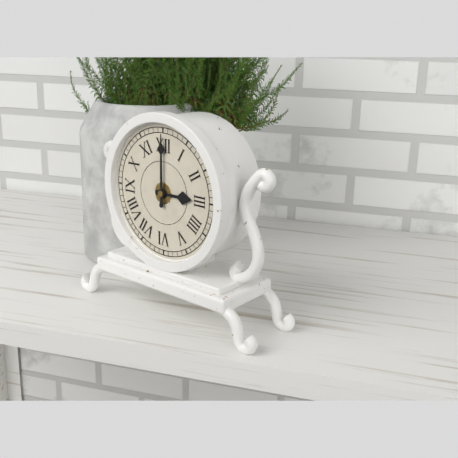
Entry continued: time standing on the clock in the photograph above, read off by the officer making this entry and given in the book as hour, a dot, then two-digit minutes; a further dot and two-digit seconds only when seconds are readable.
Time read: 3.00
